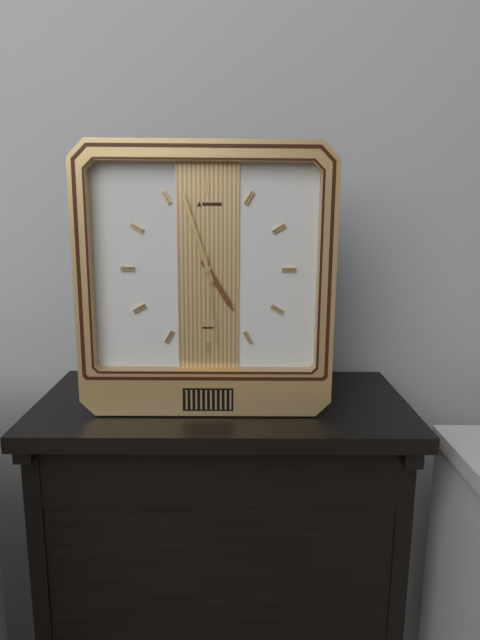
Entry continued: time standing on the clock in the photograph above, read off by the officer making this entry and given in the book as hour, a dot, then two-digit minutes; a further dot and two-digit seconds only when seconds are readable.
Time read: 4.57.29
